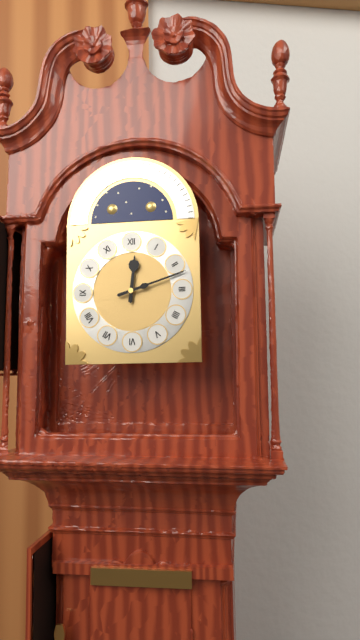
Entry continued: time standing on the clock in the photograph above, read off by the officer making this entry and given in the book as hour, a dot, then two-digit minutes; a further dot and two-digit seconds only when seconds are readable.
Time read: 12.12
